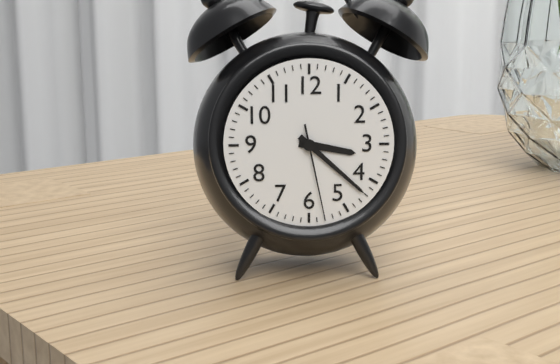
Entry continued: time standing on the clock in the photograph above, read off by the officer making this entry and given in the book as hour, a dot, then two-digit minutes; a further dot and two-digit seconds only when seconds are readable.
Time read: 3.22.28
